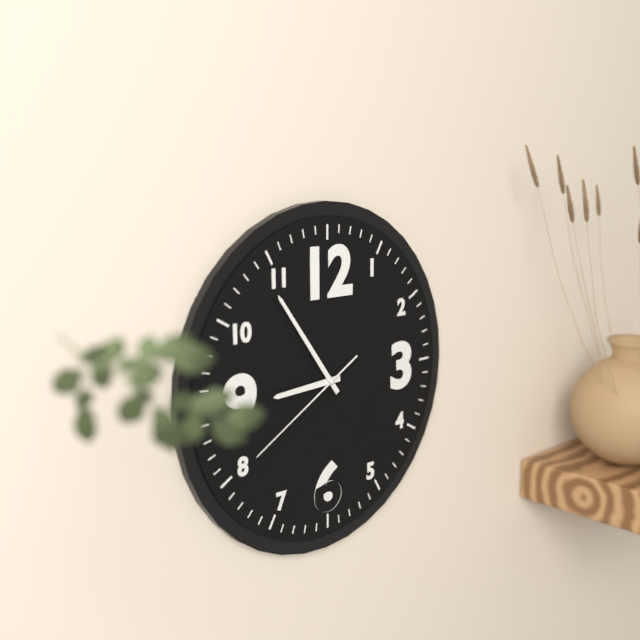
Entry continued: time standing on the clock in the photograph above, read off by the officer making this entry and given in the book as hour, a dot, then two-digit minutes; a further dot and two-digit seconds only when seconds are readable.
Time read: 8.54.40
